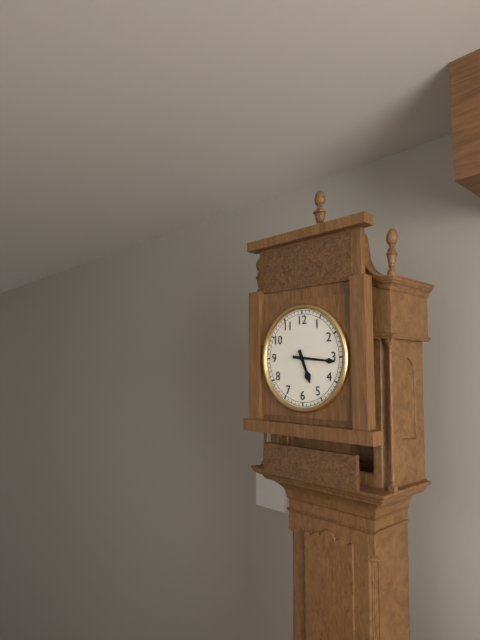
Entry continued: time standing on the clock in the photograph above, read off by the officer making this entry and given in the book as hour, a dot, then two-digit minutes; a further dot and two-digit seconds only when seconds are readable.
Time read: 5.16
